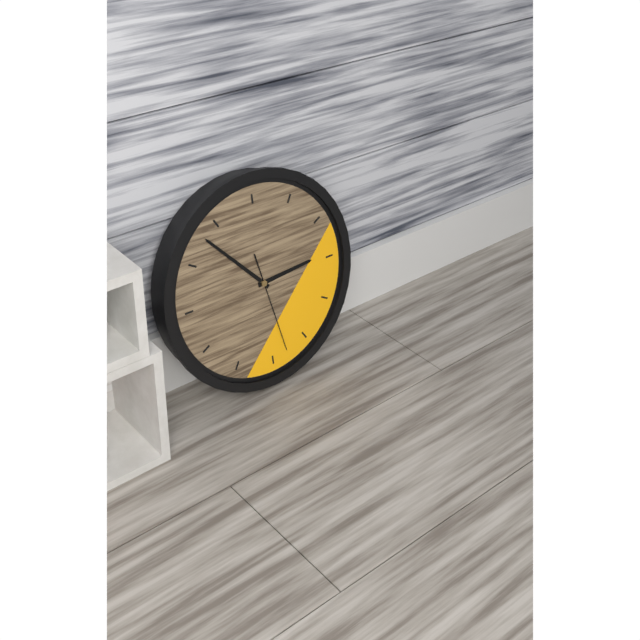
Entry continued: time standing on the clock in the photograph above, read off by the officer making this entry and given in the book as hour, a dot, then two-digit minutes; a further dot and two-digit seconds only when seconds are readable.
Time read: 2.53.28
